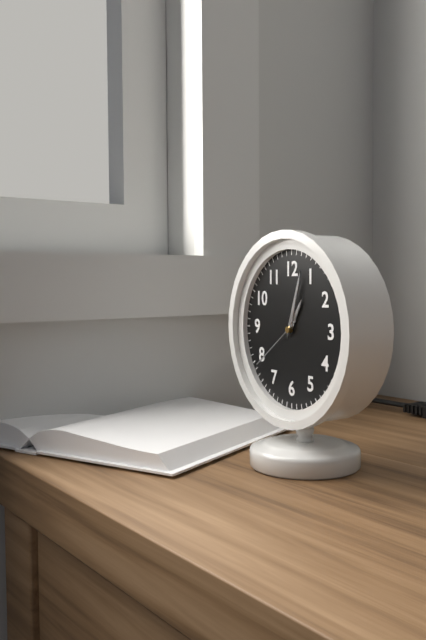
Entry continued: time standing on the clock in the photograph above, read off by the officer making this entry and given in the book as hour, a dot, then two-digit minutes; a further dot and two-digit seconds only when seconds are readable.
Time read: 1.03.39
